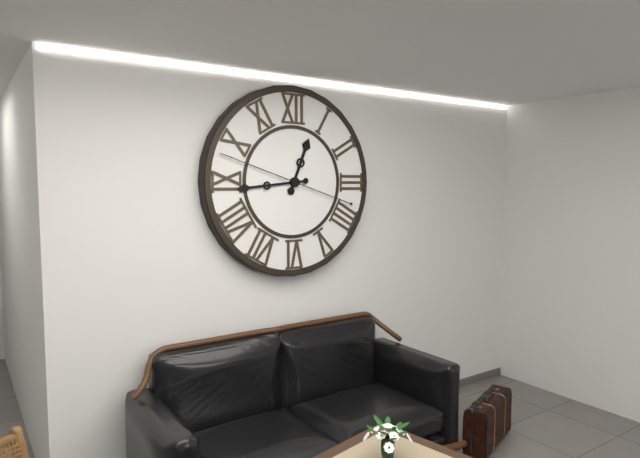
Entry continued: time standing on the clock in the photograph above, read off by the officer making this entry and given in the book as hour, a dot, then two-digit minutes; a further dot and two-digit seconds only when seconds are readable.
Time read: 12.44.48
